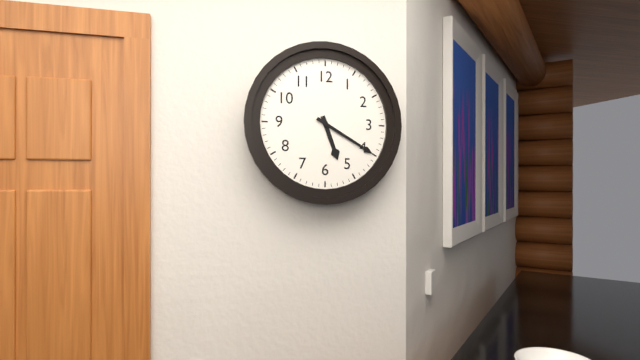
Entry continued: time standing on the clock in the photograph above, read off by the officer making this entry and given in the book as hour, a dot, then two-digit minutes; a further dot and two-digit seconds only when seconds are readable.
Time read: 5.20
